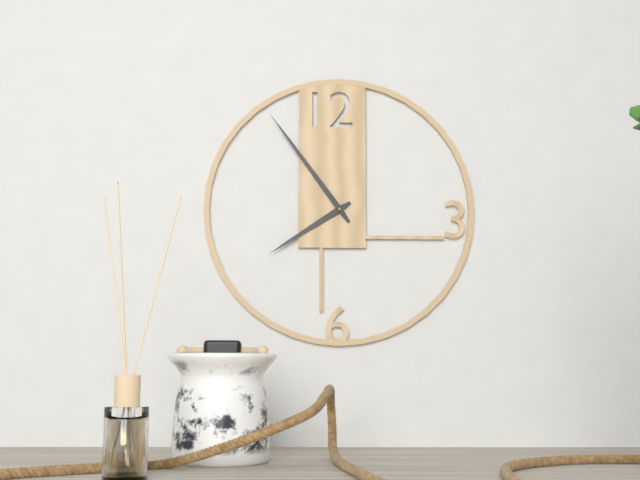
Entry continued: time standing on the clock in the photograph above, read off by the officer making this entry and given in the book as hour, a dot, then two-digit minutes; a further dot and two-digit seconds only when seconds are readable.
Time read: 7.54
